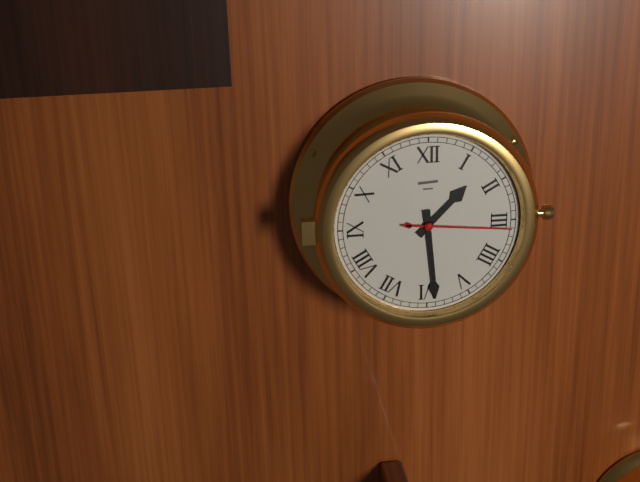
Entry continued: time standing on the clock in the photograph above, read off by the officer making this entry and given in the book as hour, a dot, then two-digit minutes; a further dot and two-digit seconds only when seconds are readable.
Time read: 1.29.16
